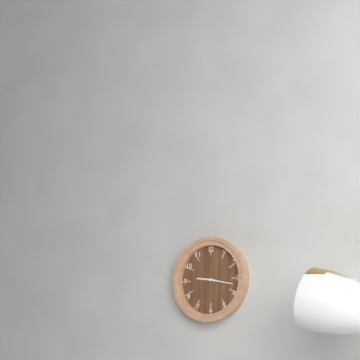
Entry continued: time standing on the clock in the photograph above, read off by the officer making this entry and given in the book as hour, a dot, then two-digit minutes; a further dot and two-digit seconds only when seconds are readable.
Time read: 9.17
